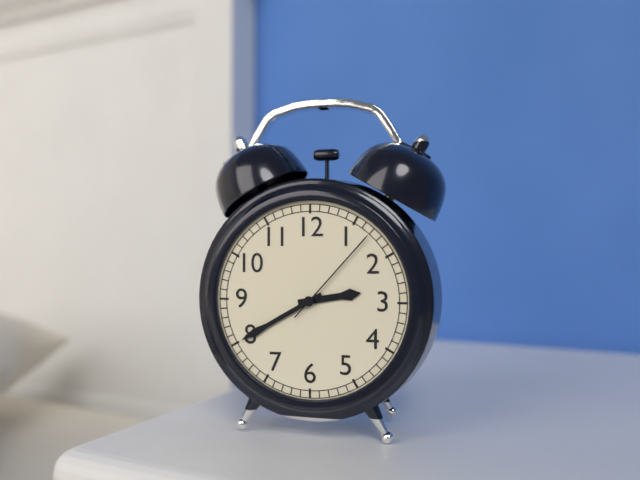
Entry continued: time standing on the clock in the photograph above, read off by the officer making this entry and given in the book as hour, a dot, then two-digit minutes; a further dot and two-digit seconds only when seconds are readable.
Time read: 2.40.07
